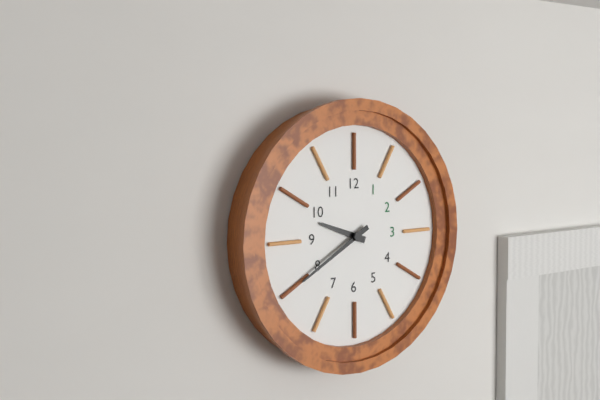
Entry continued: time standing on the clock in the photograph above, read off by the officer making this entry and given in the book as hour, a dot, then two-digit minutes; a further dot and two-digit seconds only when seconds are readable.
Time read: 9.40
